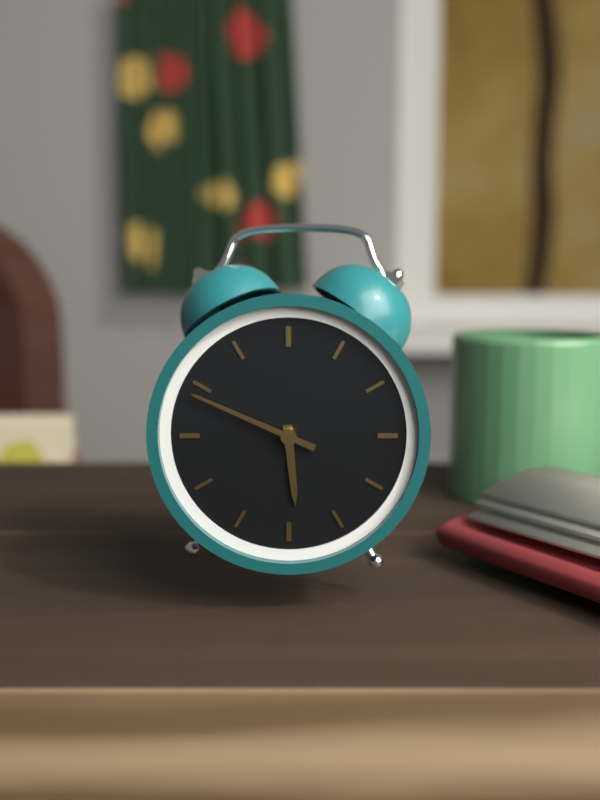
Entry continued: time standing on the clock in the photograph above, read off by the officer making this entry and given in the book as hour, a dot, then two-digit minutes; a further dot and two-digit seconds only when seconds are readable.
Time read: 5.49
